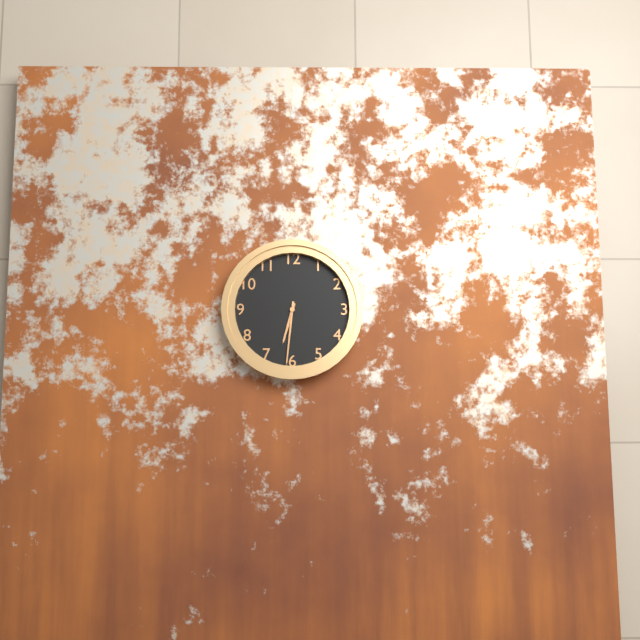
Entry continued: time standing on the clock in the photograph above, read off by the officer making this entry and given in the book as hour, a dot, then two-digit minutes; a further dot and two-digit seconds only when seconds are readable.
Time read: 6.31
